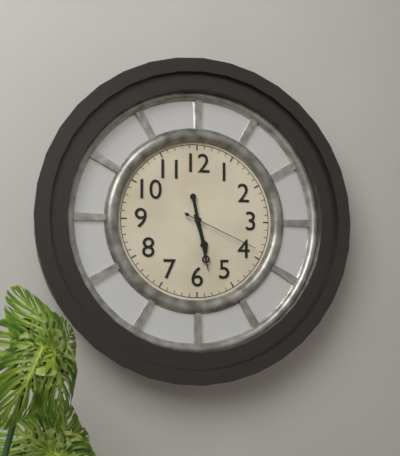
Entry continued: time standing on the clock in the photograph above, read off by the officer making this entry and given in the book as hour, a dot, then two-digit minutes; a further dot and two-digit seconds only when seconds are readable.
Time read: 5.28.19
